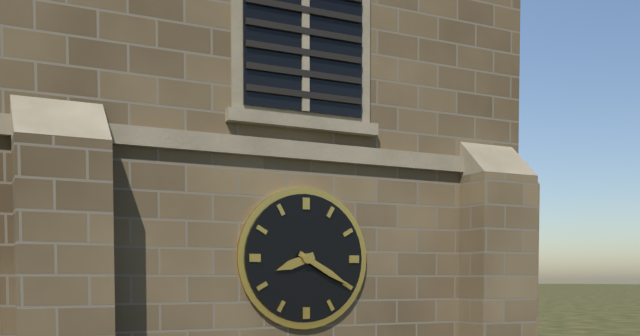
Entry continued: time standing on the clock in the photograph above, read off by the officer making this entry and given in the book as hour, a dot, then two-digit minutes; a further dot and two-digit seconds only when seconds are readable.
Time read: 8.20
